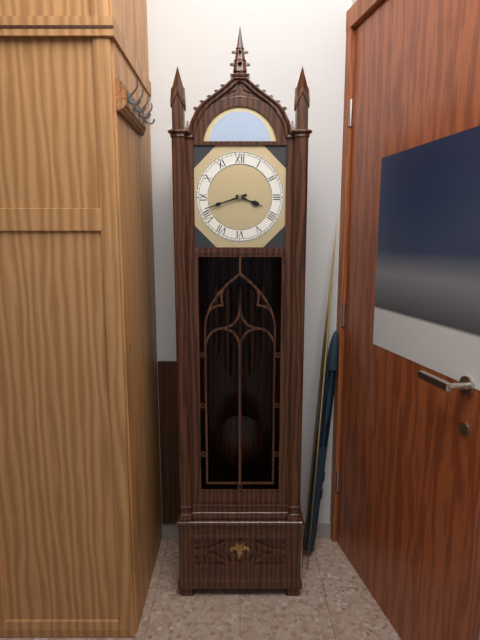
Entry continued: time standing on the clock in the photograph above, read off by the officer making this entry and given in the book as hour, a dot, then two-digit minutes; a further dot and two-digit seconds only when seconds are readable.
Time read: 3.42
